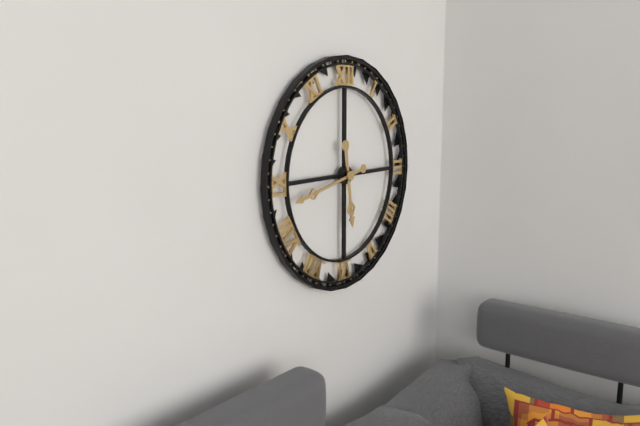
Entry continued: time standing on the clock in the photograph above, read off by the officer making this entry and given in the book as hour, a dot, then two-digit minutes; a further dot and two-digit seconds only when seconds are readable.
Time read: 5.43
